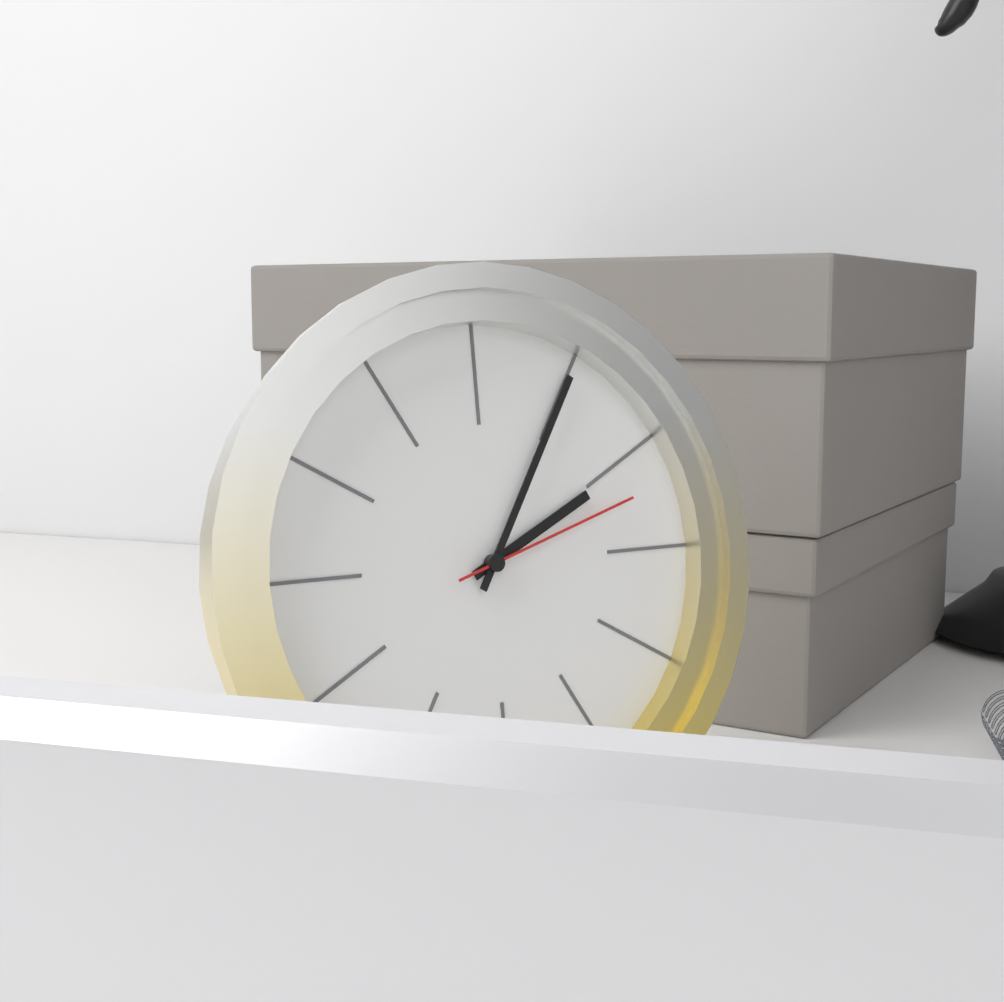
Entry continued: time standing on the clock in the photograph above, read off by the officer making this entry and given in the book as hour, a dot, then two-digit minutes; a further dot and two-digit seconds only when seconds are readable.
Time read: 2.05.12
